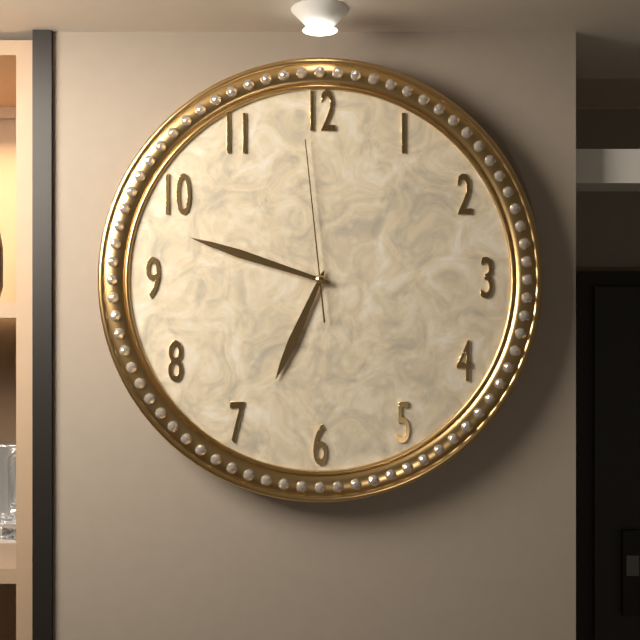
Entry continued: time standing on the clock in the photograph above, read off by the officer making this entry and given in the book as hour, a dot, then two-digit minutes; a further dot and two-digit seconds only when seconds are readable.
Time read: 6.48.59
